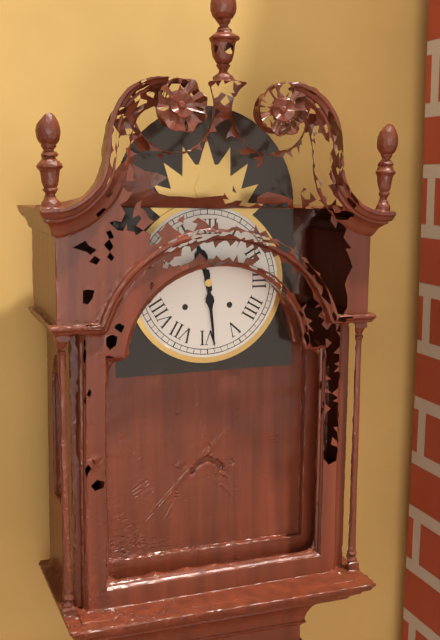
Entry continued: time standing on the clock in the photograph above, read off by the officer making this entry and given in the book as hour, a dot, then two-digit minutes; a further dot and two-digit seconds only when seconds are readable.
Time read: 11.29
